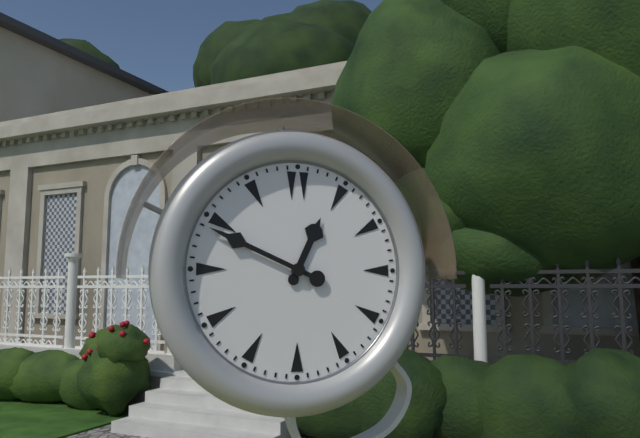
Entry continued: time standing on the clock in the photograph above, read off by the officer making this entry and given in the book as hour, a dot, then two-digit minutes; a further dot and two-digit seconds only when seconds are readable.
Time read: 12.49
